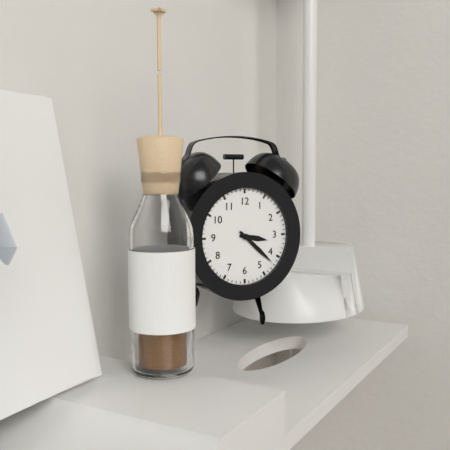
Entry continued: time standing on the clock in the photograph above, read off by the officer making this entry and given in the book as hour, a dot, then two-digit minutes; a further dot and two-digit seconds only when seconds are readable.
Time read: 3.22
